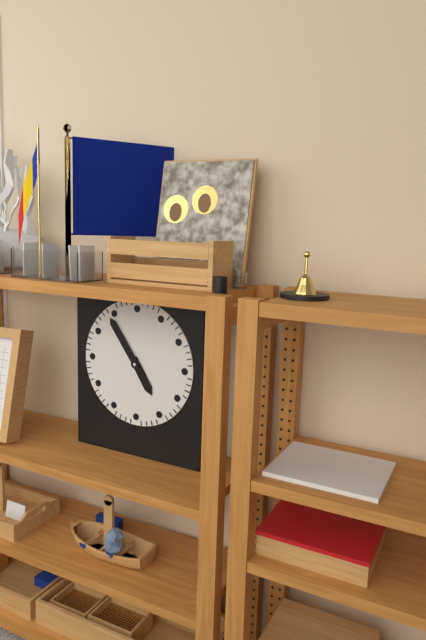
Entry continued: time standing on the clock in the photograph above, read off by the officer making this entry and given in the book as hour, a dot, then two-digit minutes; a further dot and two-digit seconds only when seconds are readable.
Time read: 4.54
